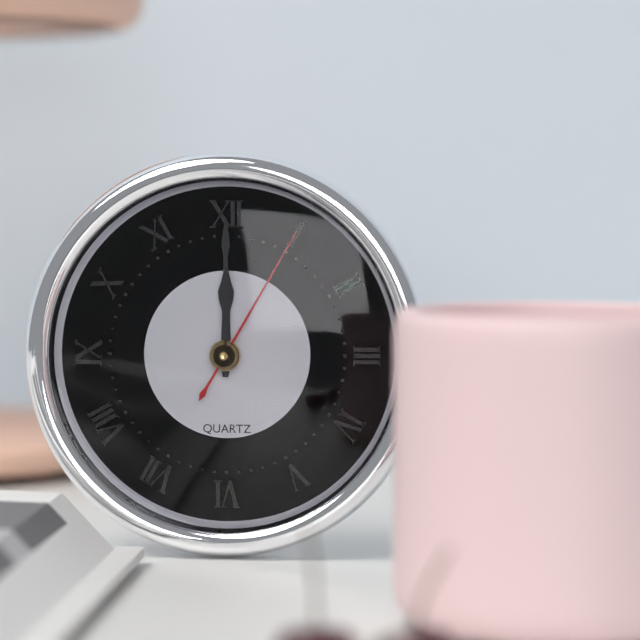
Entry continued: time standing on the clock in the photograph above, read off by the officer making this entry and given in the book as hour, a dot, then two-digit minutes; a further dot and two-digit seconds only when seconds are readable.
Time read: 12.00.05
